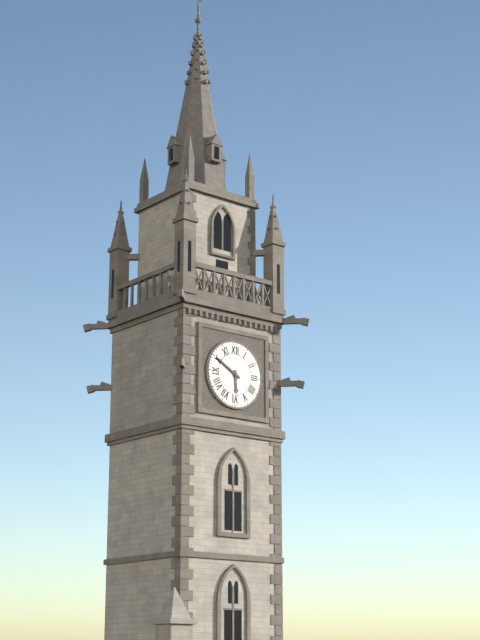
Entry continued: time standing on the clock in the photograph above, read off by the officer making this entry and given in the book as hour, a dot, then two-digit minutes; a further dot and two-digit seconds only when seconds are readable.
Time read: 5.50
